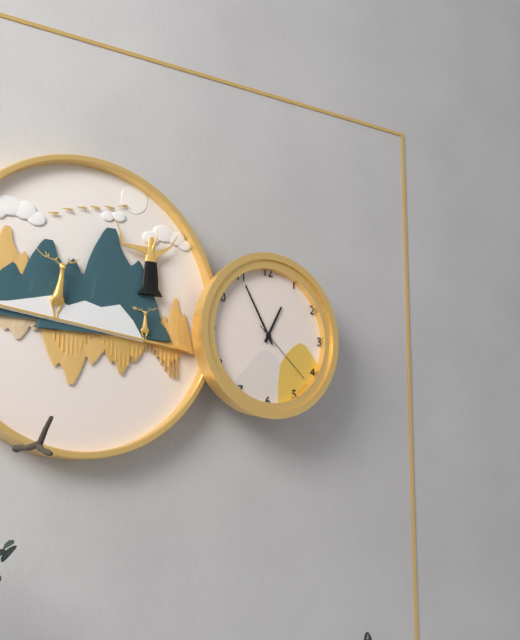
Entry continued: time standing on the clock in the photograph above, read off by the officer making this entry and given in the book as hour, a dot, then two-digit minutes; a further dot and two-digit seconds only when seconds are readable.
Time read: 12.55.22
